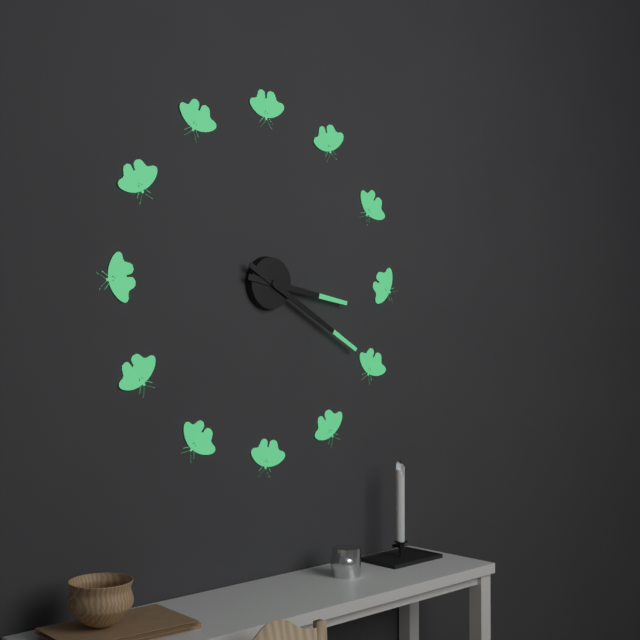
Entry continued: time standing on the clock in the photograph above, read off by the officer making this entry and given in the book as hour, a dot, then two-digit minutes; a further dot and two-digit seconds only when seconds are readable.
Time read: 3.20
